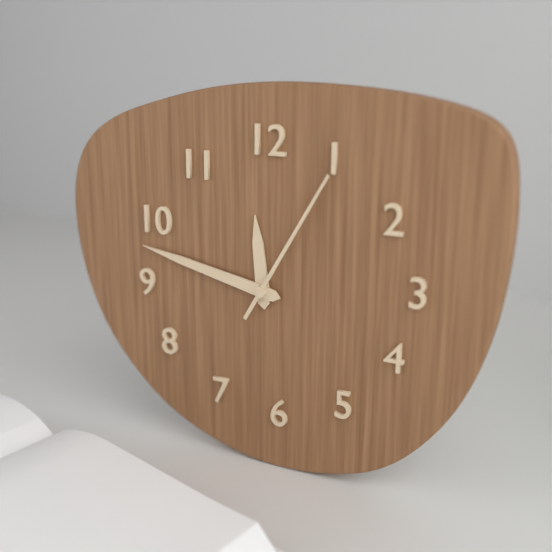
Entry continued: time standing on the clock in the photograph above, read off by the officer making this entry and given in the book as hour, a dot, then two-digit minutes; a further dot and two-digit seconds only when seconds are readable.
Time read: 11.47.05
